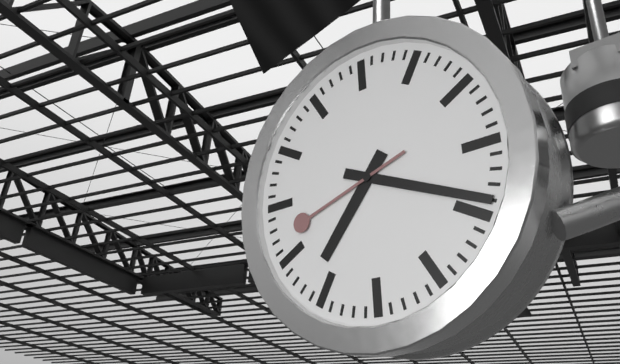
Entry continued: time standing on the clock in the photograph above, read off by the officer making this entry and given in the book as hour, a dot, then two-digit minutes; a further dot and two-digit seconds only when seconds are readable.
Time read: 7.19.42
